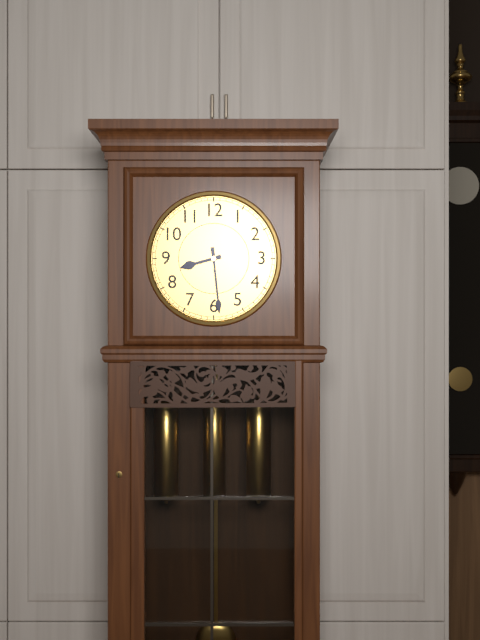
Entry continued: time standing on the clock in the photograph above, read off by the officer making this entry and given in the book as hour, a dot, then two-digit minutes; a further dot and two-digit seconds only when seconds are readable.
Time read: 8.29
